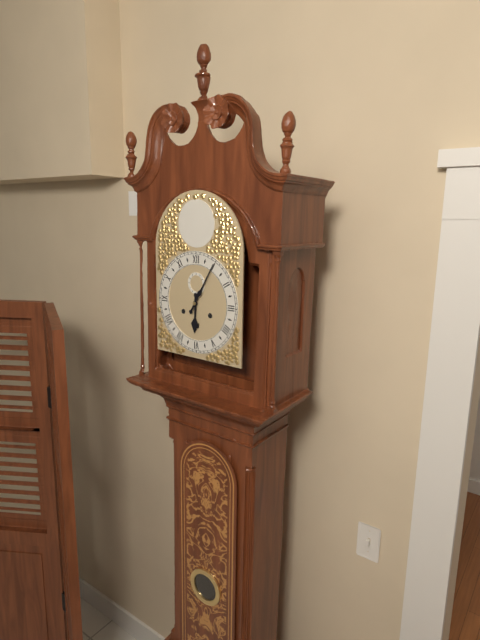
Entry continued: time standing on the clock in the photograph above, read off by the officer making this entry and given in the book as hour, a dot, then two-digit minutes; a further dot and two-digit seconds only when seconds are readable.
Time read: 6.05
